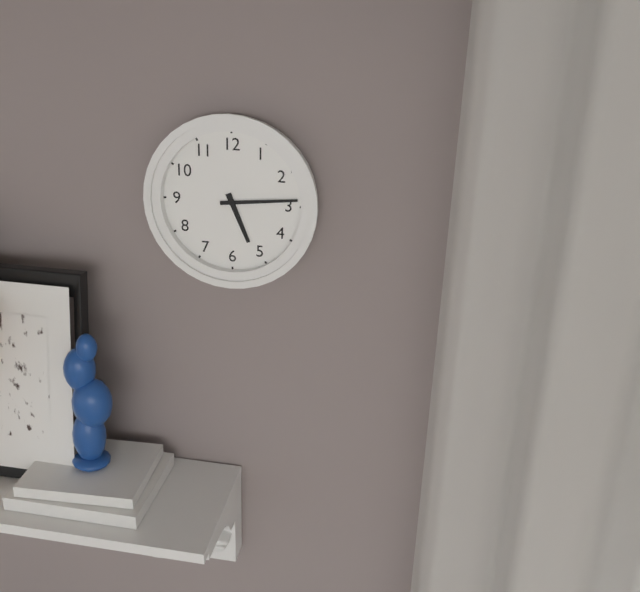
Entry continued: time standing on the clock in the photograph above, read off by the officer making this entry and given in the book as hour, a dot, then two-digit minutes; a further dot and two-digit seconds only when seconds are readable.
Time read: 5.14
